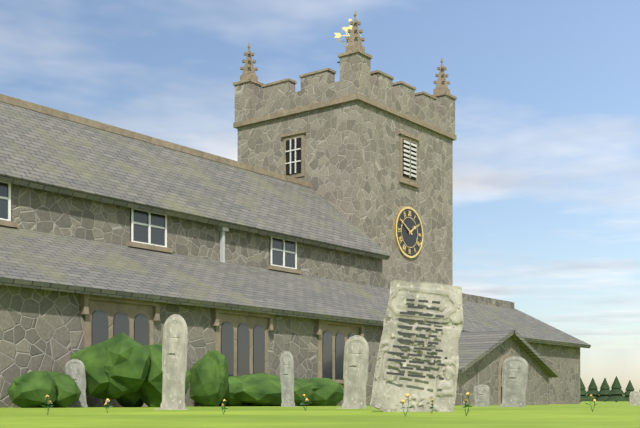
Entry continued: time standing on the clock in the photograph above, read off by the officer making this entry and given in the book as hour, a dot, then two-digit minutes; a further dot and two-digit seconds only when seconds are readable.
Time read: 1.50
